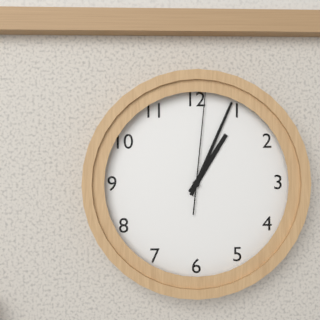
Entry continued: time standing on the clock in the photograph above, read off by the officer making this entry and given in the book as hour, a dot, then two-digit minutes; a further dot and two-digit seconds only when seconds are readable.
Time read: 1.04.01
